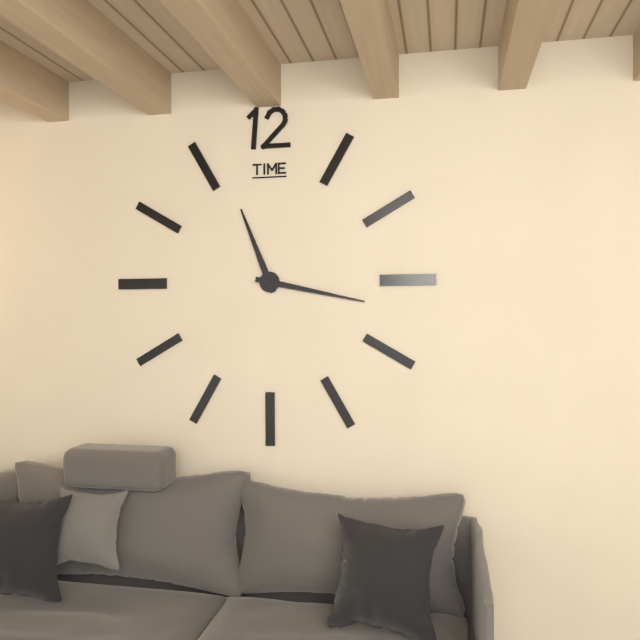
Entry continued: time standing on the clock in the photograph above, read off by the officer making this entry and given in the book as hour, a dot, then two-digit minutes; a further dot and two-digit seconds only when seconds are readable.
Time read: 11.17
